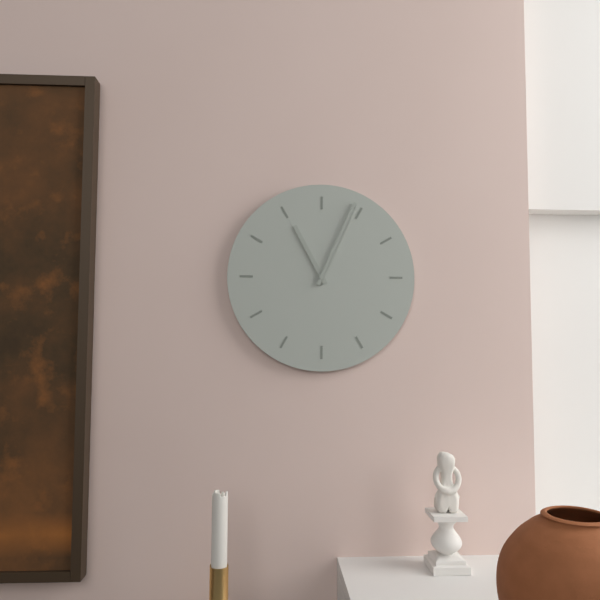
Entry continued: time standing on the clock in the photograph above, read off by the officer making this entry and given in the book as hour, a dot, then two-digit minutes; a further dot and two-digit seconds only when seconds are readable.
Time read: 11.04
